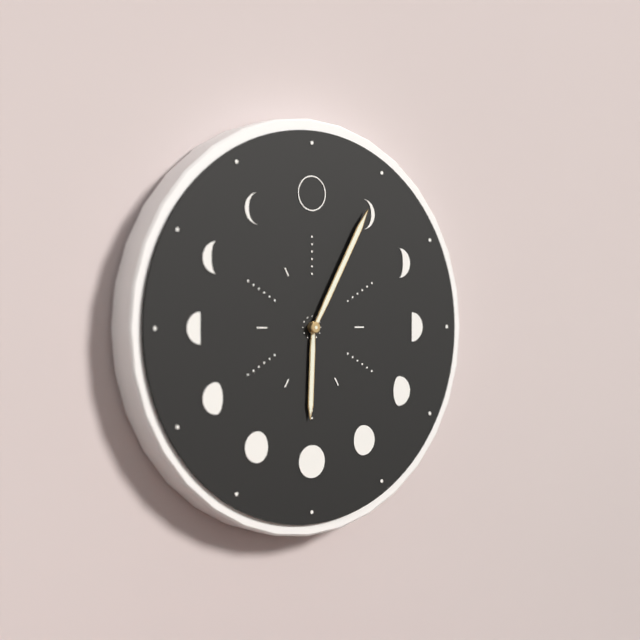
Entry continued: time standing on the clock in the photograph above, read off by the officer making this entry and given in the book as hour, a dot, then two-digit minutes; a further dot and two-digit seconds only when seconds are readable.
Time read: 6.05
